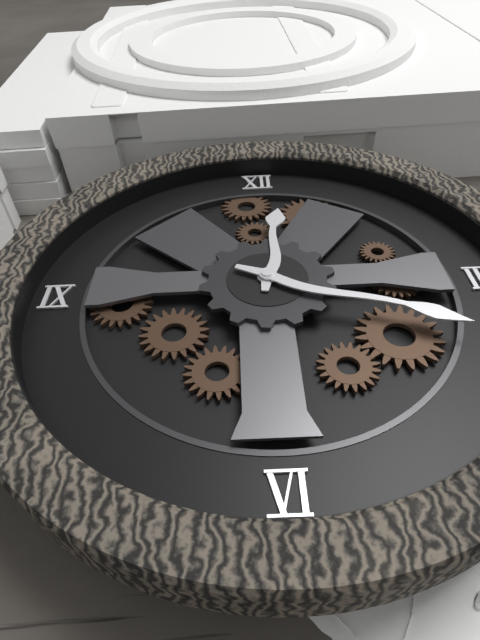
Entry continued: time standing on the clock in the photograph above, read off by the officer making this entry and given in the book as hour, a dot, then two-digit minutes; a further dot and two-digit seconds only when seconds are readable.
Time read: 12.19
